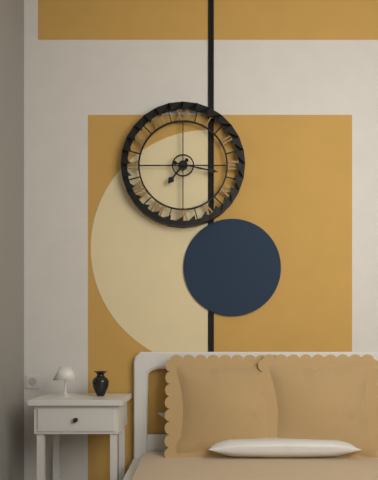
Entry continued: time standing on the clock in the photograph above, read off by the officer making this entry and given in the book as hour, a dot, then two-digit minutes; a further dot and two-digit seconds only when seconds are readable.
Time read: 7.17
